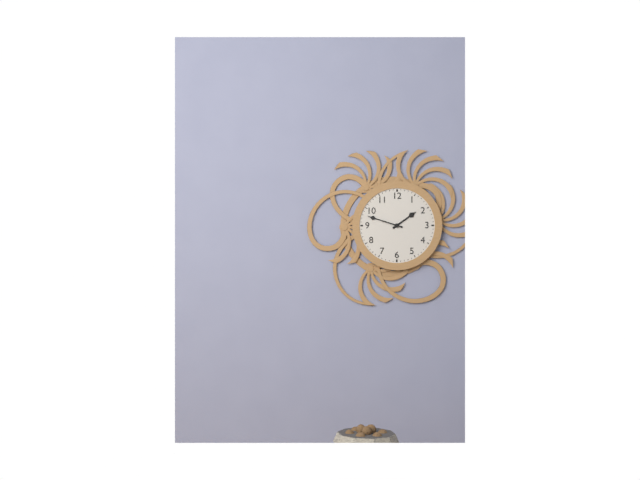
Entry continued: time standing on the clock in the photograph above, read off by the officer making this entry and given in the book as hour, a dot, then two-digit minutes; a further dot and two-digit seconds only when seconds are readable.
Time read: 1.48
